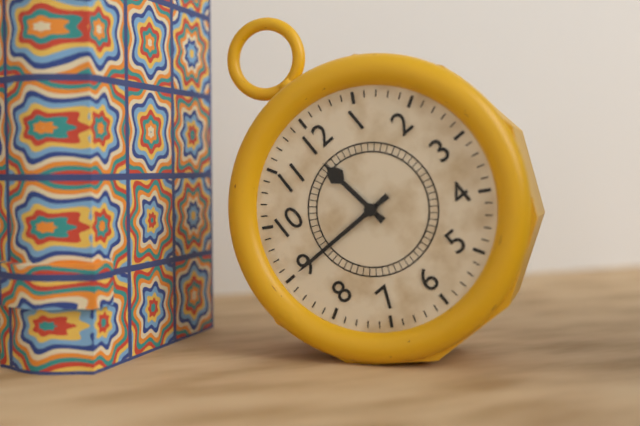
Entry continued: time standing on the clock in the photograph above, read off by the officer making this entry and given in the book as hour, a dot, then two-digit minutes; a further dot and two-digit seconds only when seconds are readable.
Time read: 11.45
